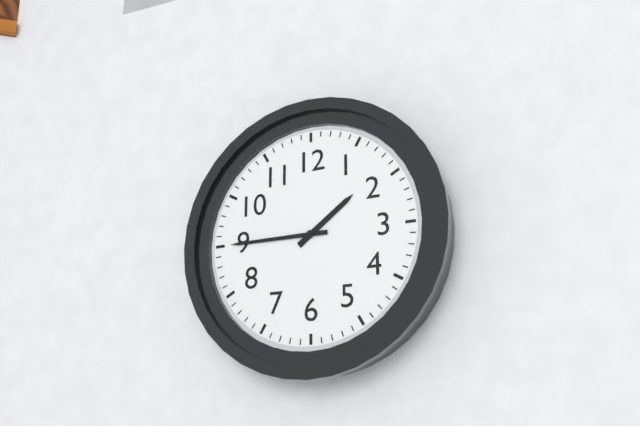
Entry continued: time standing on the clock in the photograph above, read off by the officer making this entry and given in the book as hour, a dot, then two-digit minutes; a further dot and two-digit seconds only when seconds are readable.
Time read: 1.45
